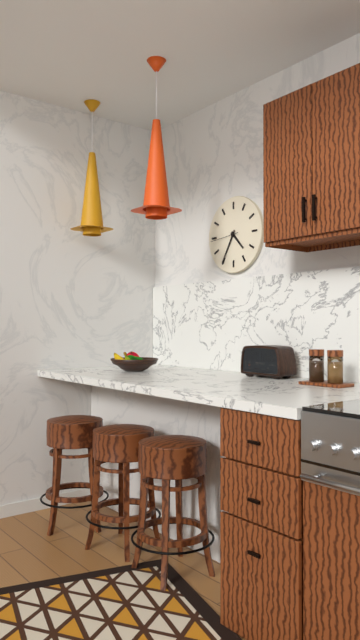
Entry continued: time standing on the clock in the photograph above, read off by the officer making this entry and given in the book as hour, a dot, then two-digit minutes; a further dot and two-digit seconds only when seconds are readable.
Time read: 4.35
